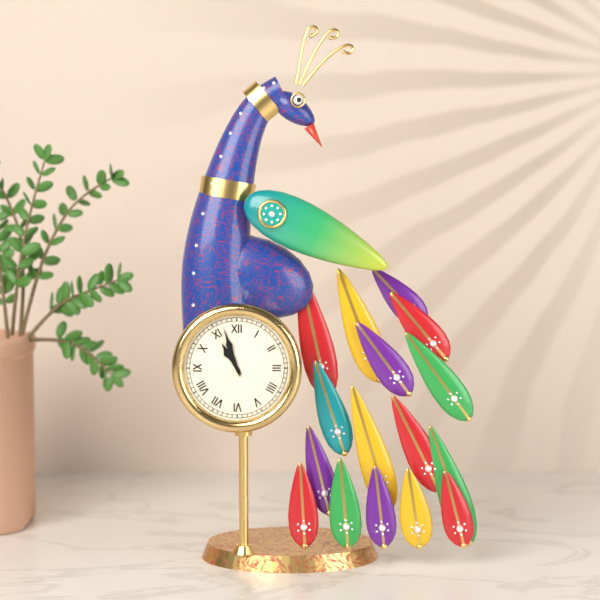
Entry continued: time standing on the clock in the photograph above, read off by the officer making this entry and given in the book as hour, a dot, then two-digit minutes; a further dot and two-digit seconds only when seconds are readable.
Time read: 10.57
